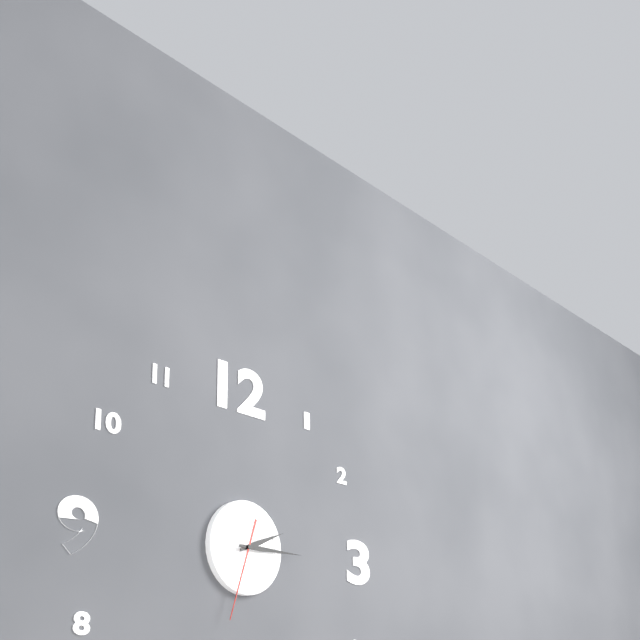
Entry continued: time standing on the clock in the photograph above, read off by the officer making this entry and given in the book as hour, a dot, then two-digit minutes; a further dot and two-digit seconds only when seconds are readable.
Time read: 2.15.33
